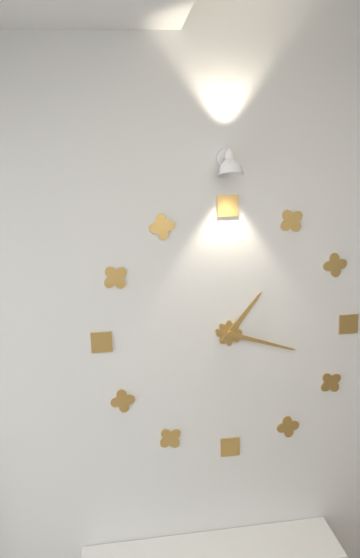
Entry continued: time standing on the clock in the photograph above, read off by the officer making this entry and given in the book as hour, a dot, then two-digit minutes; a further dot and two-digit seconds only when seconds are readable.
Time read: 1.18
